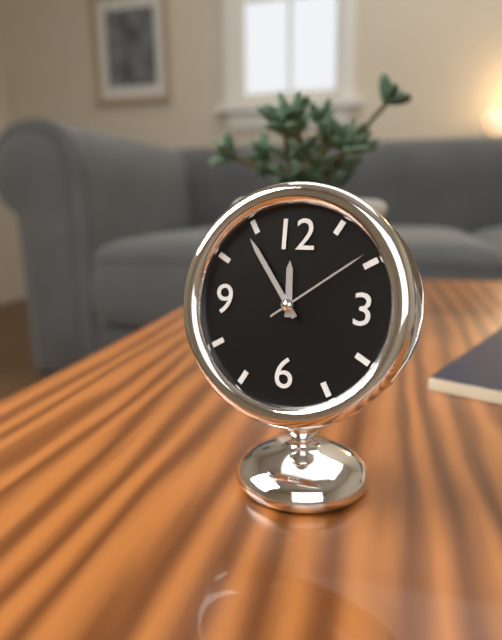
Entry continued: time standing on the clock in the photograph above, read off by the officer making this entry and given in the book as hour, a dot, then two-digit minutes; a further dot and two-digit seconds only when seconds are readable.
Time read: 11.54.09
